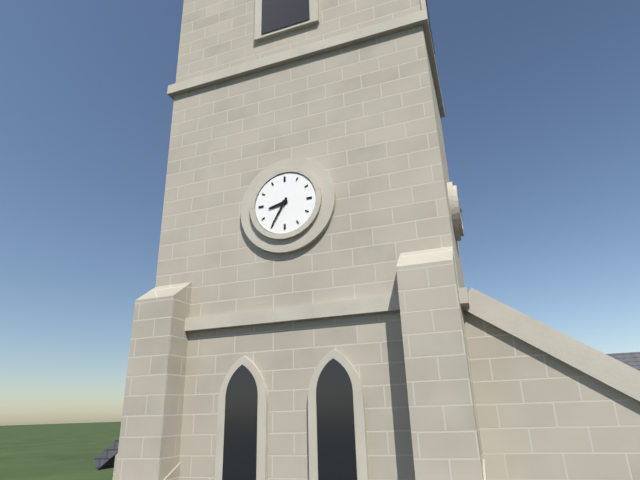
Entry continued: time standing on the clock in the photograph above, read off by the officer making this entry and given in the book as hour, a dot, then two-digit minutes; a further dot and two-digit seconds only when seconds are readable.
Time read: 8.35
